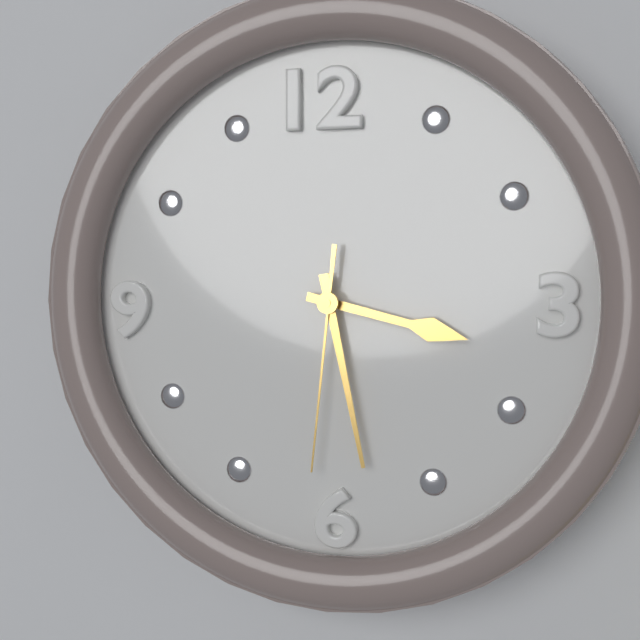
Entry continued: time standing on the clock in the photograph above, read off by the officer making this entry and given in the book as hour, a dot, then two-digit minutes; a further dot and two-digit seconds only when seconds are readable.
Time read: 3.28.31
